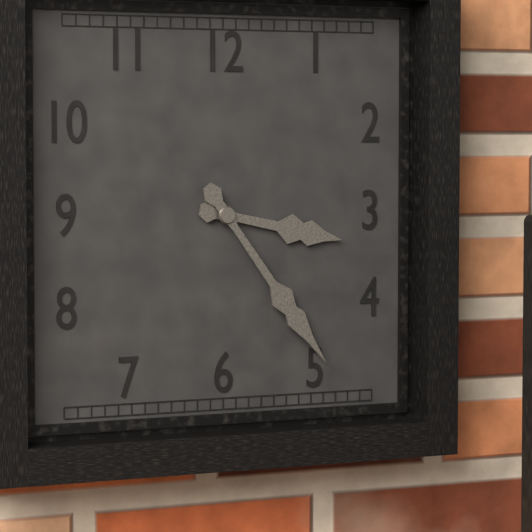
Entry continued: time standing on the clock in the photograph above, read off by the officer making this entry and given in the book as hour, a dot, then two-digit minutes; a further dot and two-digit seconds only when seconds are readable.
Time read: 3.24
